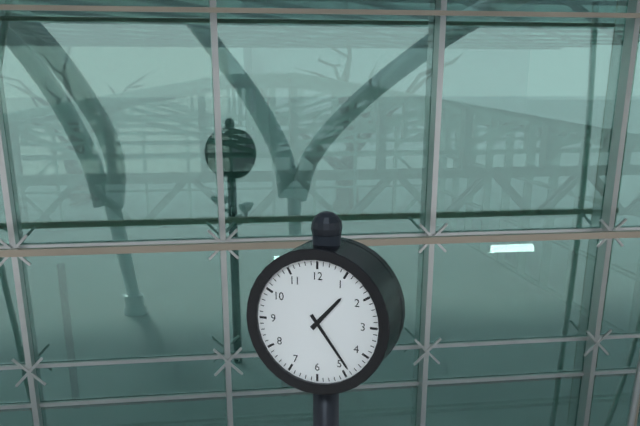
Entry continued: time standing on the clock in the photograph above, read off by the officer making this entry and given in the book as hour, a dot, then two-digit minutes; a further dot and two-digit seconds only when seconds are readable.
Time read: 1.24
